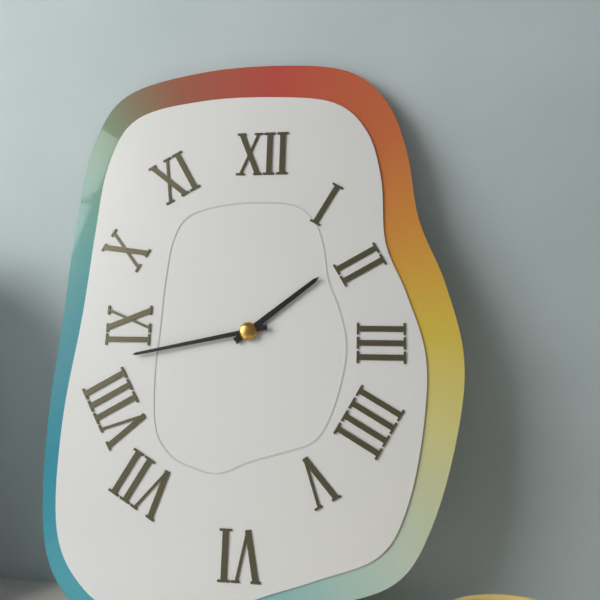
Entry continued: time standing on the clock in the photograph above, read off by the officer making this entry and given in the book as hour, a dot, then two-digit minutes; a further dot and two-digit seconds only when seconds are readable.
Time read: 1.43
